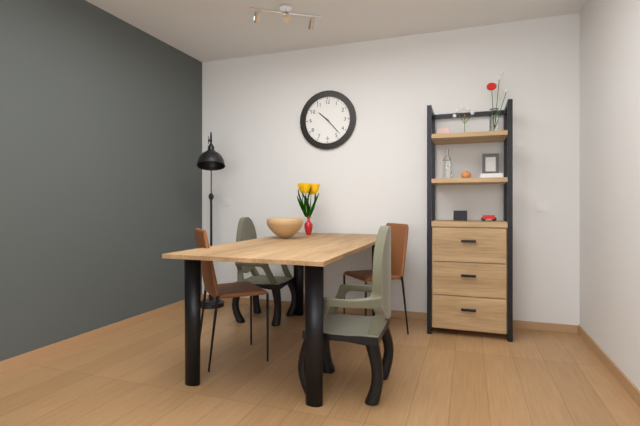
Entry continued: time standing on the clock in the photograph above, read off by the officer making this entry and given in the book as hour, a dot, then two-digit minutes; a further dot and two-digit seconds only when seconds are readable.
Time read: 10.23
